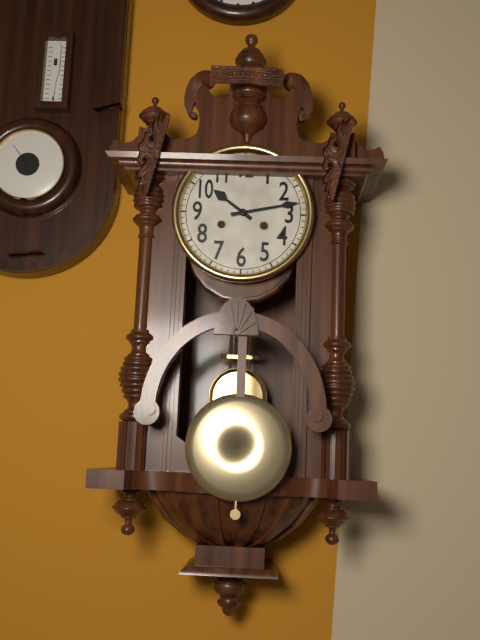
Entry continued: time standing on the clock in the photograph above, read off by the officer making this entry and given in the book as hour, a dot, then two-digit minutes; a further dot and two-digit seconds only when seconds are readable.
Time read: 10.13
